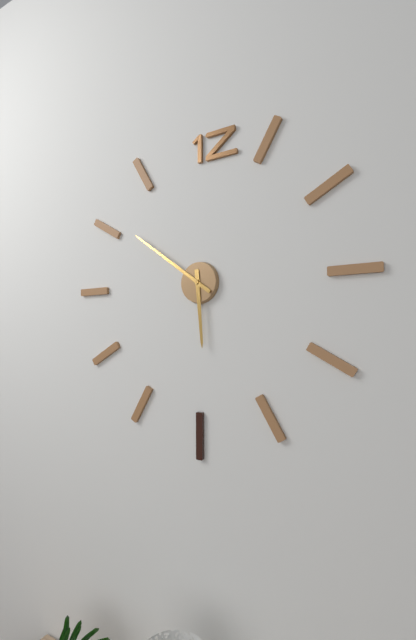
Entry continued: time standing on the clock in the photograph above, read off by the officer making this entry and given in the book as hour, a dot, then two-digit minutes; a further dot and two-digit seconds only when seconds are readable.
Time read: 5.51
